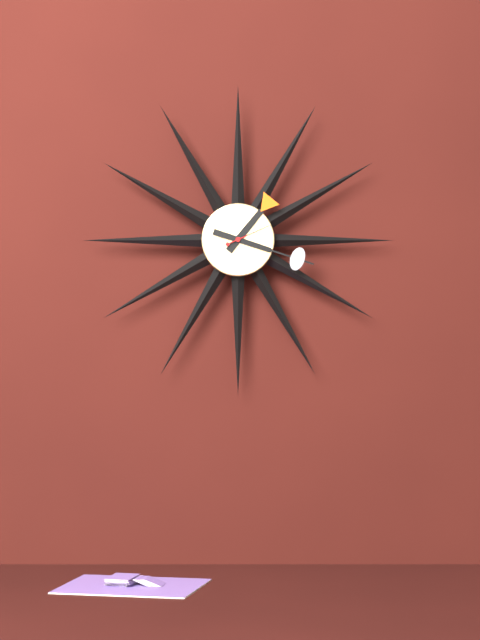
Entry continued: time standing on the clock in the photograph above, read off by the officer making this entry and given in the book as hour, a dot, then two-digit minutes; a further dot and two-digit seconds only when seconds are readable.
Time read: 1.18
